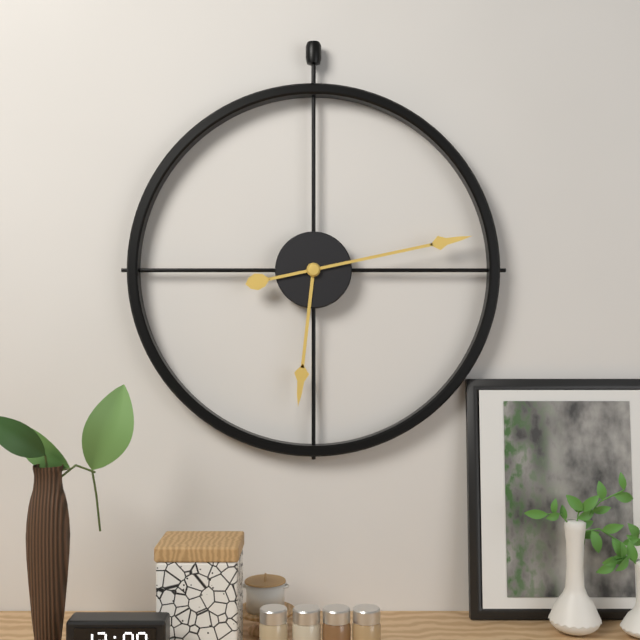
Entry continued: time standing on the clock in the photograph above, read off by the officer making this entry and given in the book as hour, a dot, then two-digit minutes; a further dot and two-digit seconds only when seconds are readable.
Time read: 6.13
